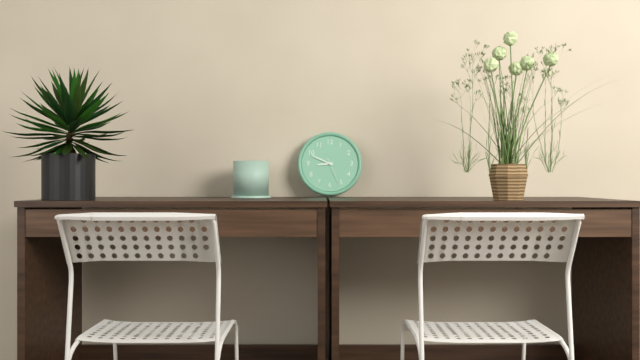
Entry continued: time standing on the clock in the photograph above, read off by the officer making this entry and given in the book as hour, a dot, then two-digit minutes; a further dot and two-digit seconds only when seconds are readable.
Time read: 8.49
